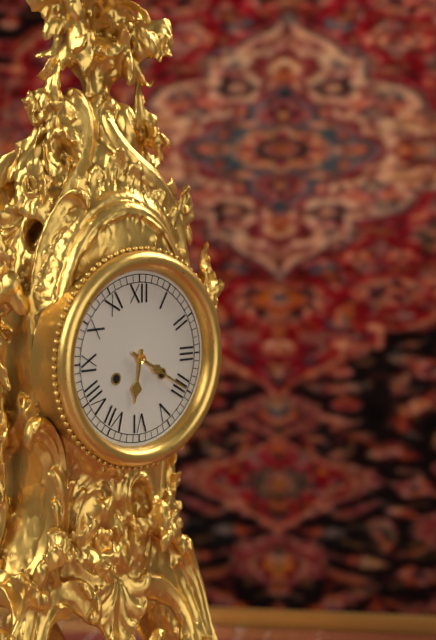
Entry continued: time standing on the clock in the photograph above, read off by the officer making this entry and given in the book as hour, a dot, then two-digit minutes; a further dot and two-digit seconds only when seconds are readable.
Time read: 6.20
